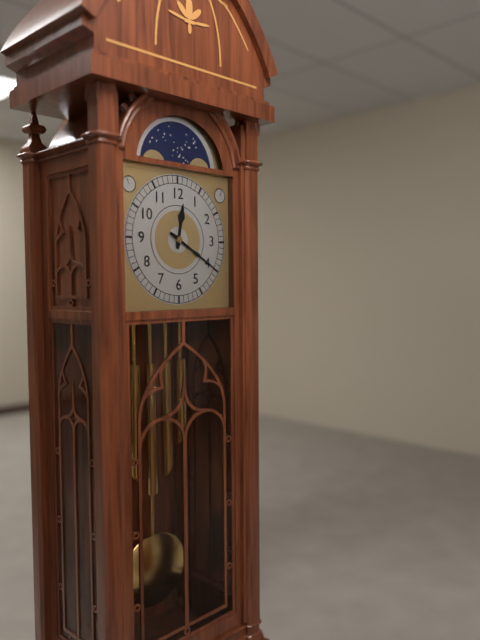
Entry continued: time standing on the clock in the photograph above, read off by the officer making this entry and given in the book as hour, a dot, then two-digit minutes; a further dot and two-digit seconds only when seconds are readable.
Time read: 12.20
